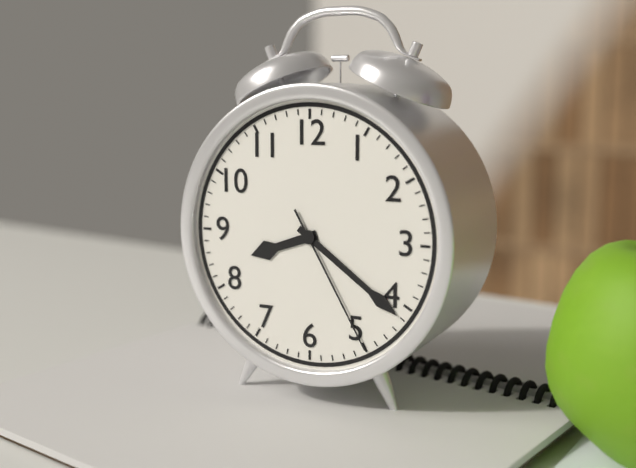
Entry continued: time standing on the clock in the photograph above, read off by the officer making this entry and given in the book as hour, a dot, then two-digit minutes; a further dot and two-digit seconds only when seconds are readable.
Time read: 8.21.25
